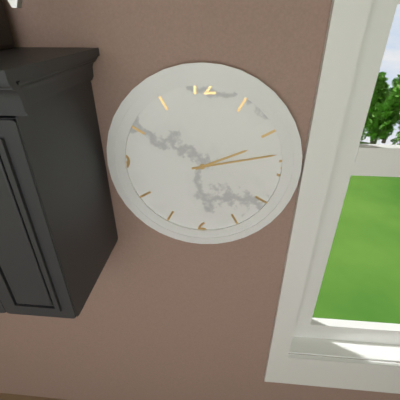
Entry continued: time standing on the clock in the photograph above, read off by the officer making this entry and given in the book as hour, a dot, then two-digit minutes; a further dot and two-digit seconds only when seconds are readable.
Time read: 2.13
